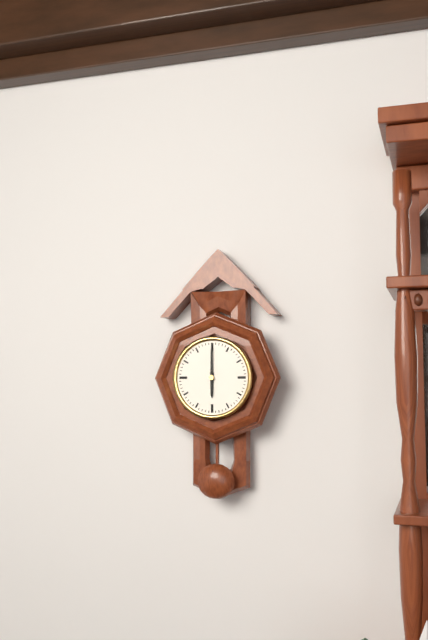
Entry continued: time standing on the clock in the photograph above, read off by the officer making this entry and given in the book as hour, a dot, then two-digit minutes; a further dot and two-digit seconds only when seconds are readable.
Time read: 6.00
